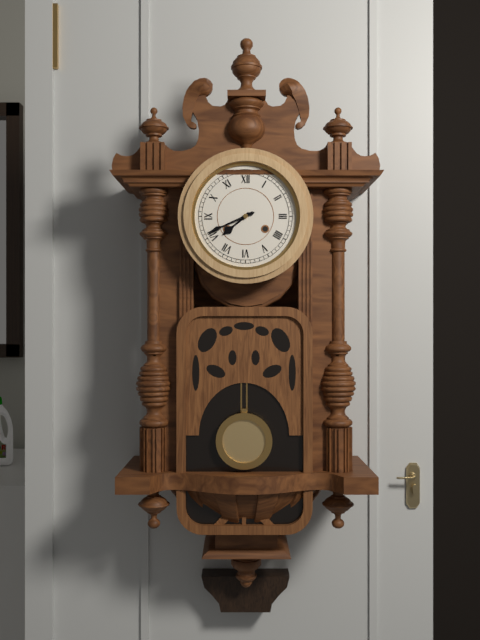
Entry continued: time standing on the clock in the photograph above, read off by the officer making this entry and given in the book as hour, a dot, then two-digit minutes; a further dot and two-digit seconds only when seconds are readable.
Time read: 7.41
